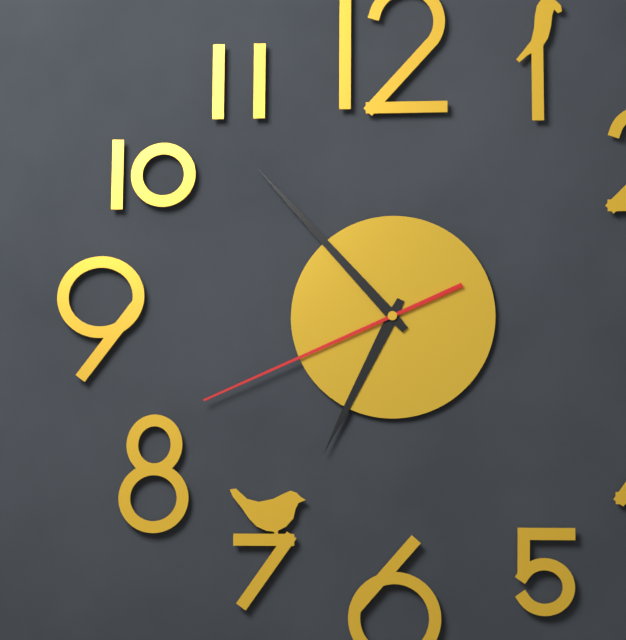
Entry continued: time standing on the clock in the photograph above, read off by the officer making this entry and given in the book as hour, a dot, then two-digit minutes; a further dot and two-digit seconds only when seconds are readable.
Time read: 6.53.41
